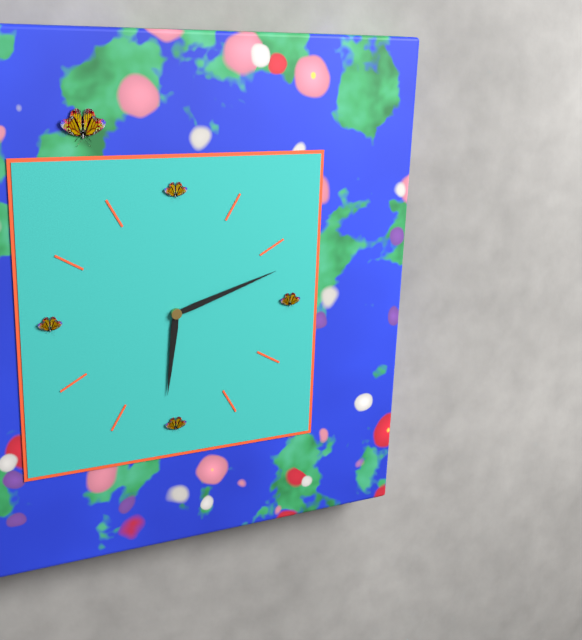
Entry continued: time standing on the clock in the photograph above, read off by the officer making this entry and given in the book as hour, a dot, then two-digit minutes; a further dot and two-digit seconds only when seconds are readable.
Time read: 6.12
